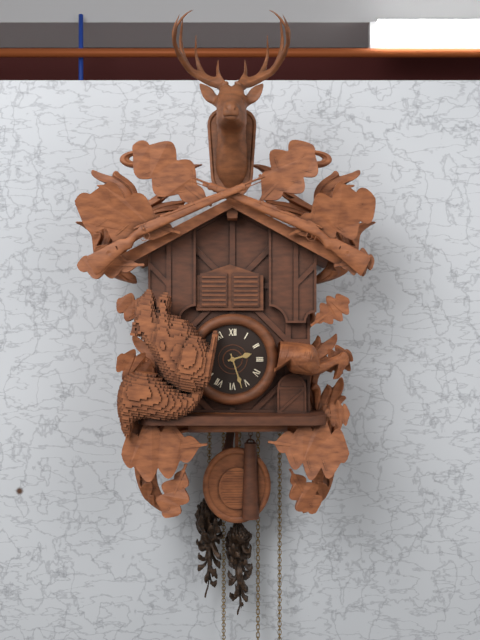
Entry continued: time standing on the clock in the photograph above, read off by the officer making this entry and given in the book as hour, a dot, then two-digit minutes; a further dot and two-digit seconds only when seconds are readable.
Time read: 2.27
